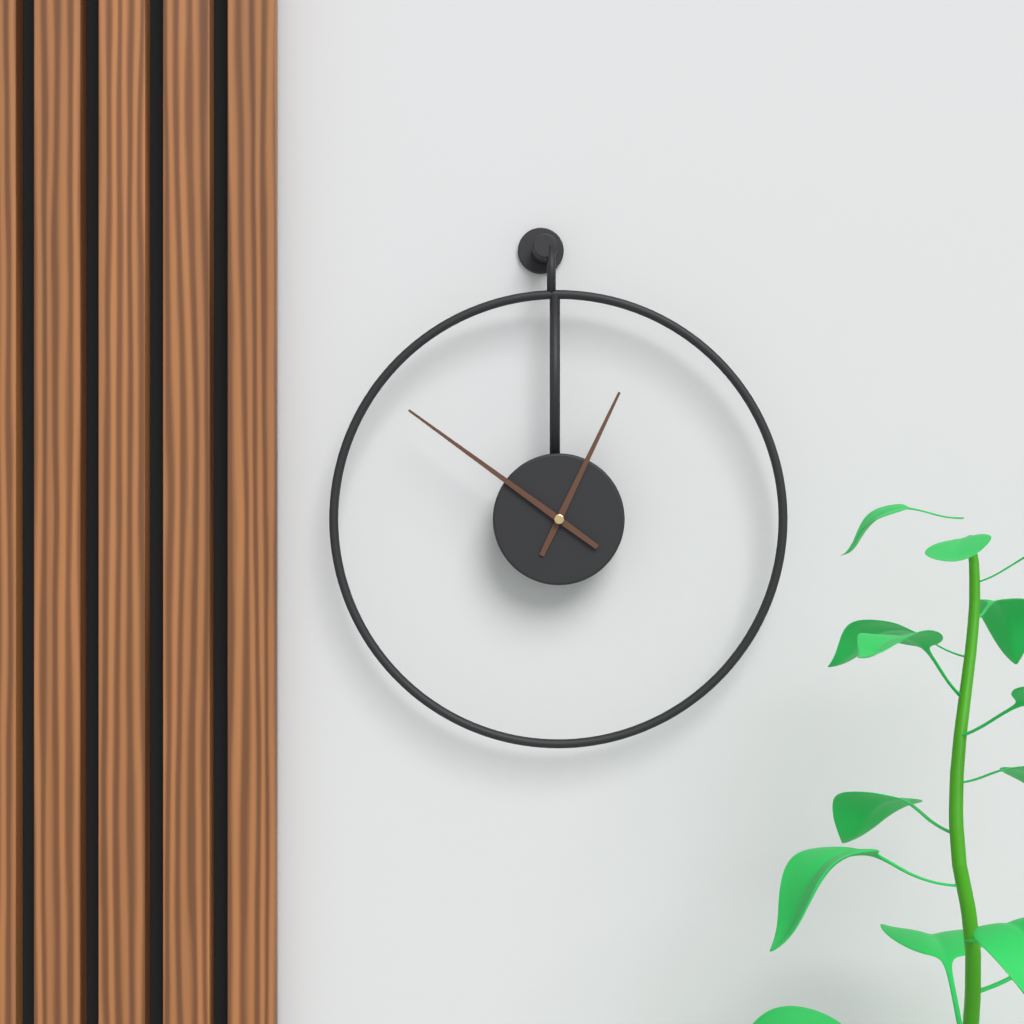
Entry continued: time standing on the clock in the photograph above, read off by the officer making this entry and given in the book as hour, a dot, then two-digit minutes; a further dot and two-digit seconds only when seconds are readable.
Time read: 12.51
